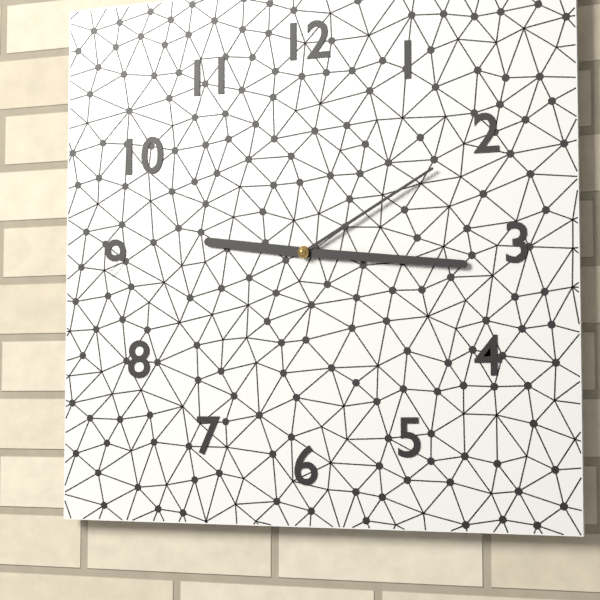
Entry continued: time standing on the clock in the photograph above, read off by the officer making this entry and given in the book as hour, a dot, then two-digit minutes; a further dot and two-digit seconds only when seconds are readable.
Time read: 9.16.10
